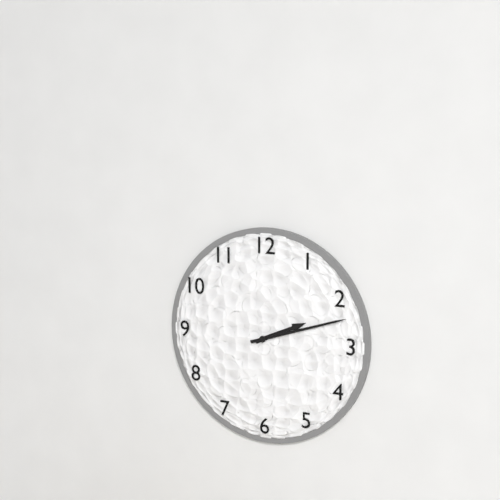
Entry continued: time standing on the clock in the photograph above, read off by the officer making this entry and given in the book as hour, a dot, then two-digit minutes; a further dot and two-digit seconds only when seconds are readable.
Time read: 2.12
